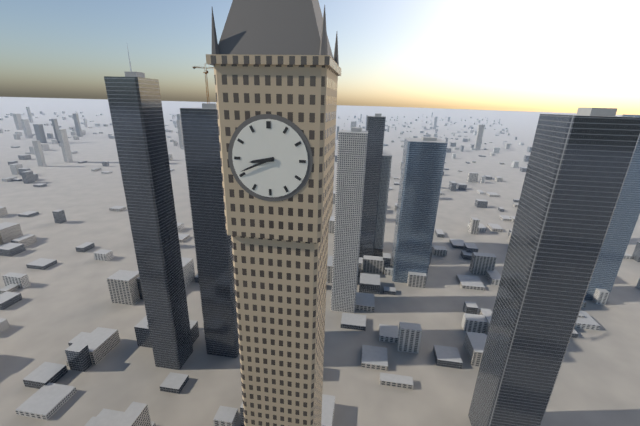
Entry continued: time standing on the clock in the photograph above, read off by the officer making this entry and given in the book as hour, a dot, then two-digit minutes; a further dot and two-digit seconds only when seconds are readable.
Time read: 8.41
